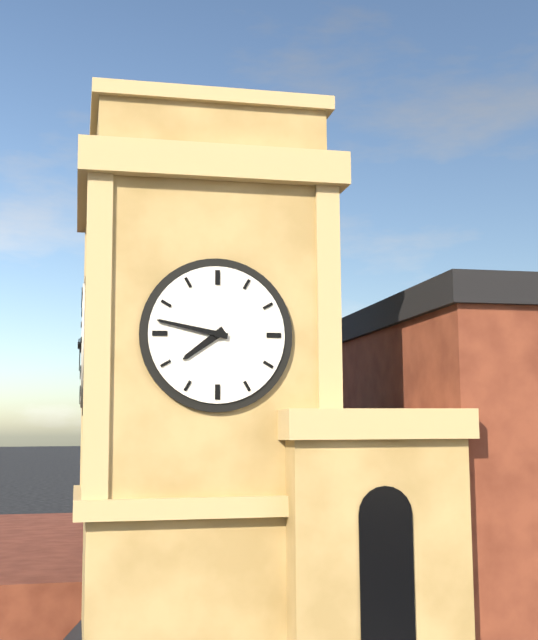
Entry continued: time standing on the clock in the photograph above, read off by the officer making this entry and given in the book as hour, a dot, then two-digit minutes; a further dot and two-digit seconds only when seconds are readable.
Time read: 7.47
